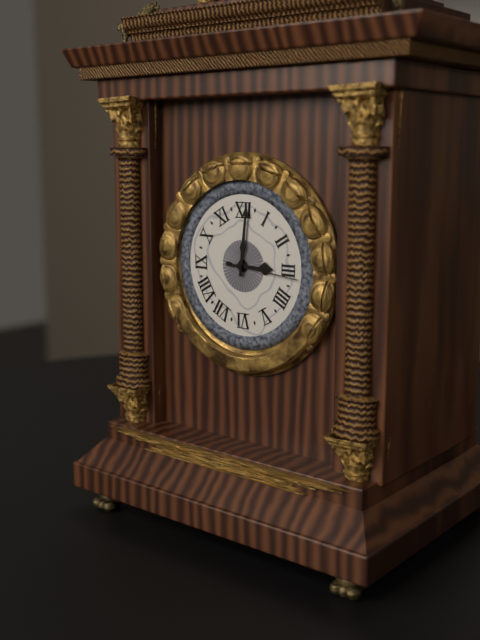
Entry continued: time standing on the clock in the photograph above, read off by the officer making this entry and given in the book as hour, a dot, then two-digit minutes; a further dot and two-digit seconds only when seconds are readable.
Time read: 3.01.16
